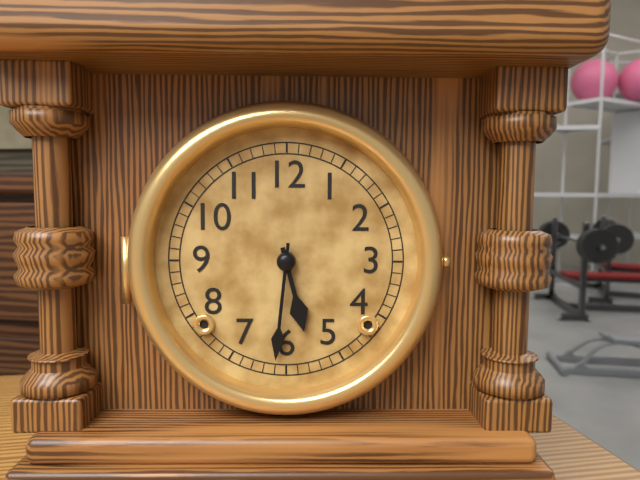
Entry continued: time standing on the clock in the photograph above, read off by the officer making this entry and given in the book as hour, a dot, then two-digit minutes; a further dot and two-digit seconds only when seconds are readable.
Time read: 5.31
